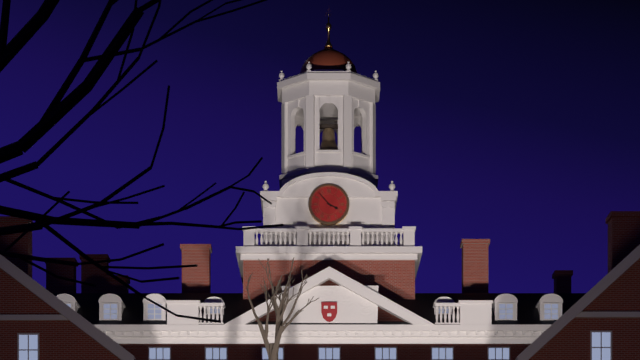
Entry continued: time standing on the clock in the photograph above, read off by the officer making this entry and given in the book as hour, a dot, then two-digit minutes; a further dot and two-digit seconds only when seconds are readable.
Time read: 3.53
